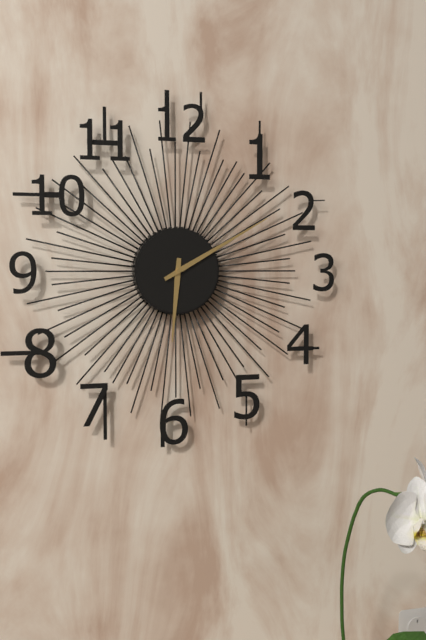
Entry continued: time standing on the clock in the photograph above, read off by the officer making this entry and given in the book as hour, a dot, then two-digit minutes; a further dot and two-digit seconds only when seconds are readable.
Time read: 6.10
